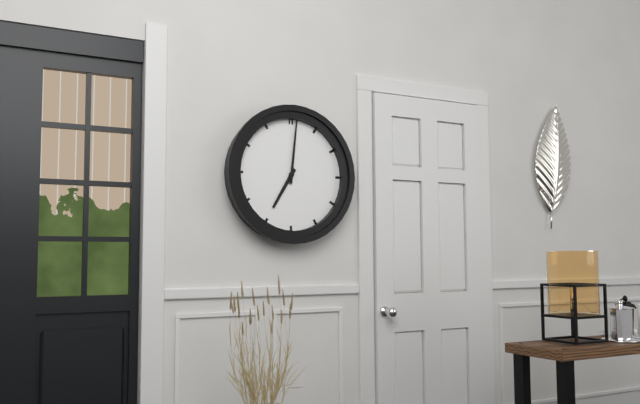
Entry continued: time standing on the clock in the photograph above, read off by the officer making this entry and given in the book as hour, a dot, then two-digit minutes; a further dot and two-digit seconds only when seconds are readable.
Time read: 7.01
